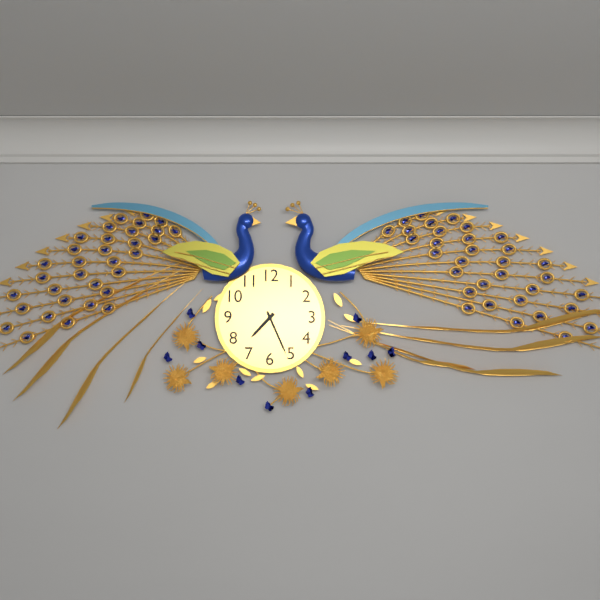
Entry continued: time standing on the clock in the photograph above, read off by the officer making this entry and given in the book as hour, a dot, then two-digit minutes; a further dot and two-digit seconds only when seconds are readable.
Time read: 7.26
